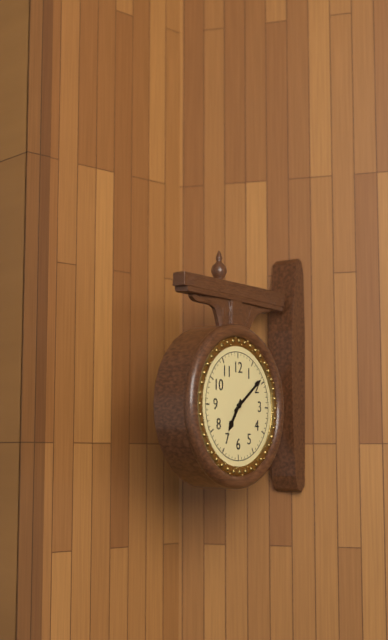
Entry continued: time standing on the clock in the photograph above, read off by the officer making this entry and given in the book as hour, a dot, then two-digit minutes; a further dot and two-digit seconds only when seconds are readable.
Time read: 7.09
